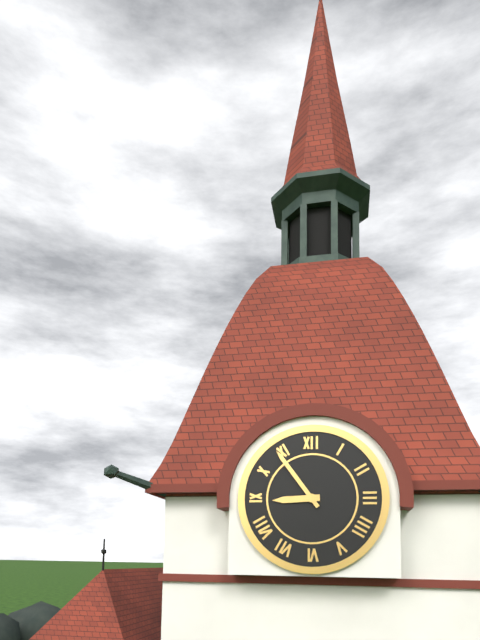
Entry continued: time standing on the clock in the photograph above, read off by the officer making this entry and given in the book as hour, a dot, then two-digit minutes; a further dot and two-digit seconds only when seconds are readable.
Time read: 8.54
